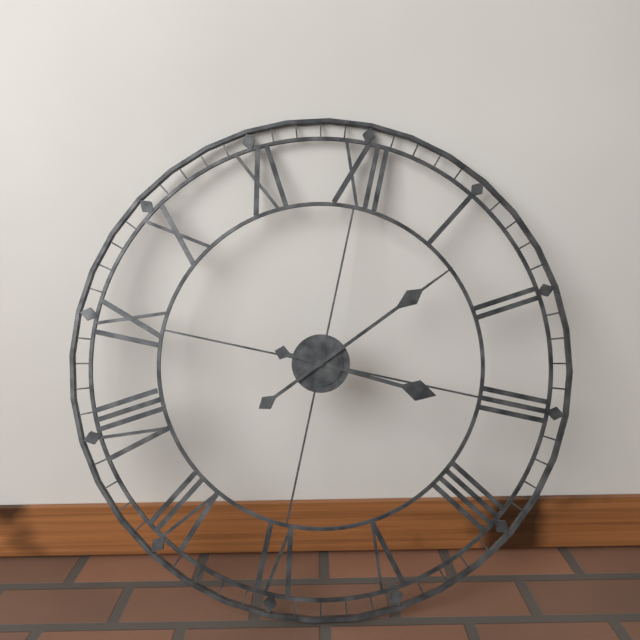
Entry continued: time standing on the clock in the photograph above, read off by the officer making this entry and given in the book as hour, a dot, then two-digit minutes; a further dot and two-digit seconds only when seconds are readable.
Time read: 3.07
